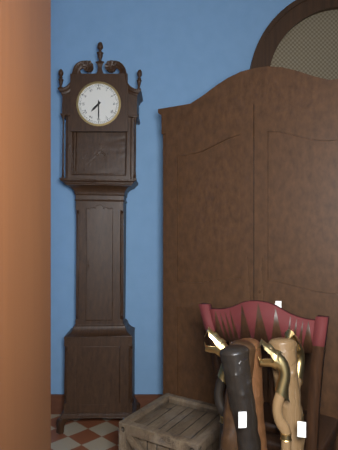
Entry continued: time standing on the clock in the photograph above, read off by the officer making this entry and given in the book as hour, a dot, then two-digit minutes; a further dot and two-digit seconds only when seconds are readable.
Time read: 7.30
